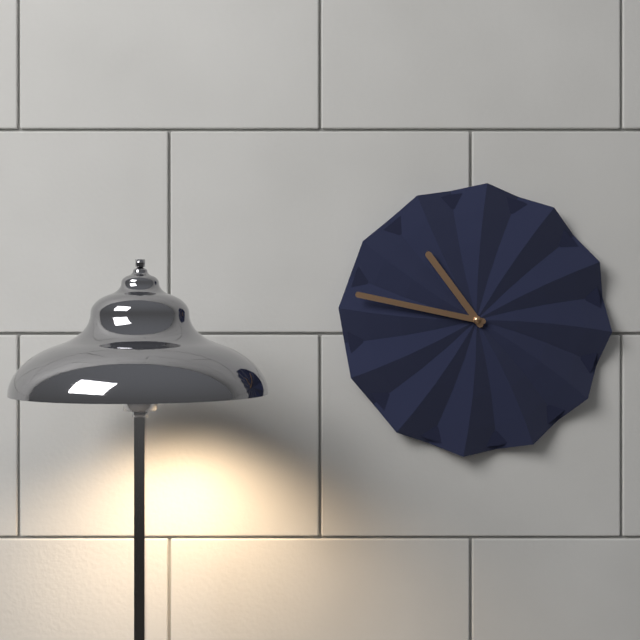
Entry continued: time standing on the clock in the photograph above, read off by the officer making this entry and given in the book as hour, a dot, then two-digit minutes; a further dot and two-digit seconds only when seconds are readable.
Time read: 10.47
